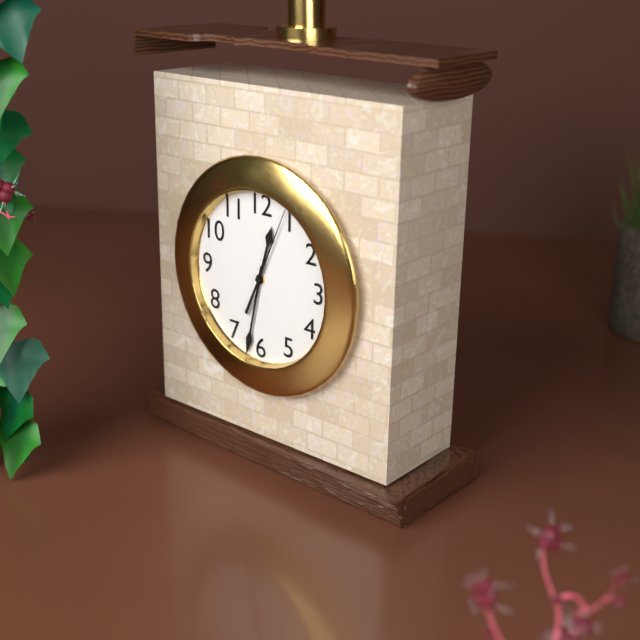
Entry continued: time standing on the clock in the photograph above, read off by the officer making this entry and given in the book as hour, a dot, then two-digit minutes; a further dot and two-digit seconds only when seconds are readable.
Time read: 12.32.04
